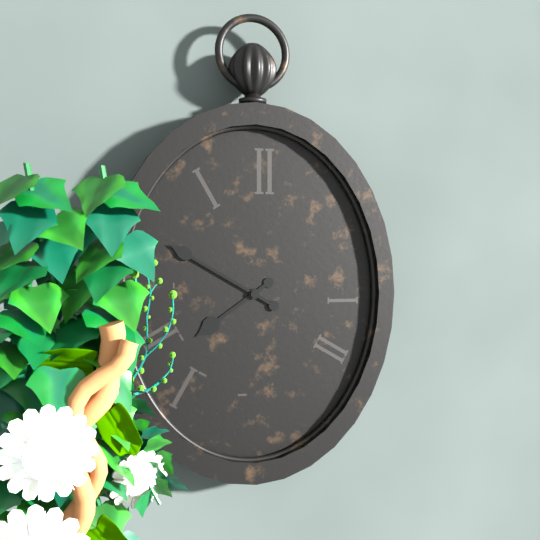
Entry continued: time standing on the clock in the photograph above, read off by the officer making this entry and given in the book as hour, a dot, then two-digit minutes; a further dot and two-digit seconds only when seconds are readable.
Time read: 7.50
